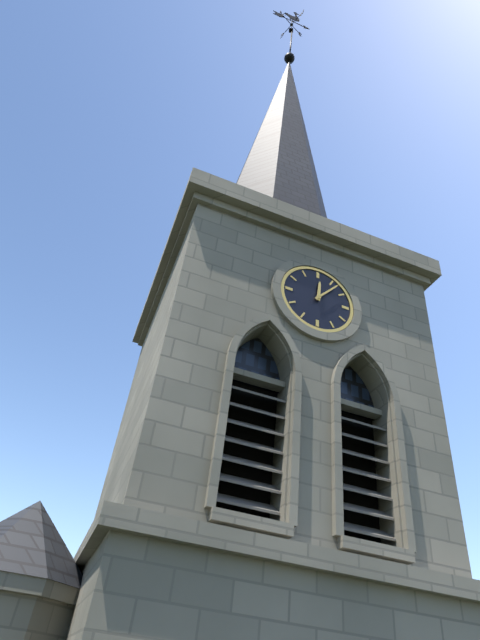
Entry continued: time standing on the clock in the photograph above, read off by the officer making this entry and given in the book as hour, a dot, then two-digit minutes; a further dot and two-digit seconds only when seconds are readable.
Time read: 12.07
